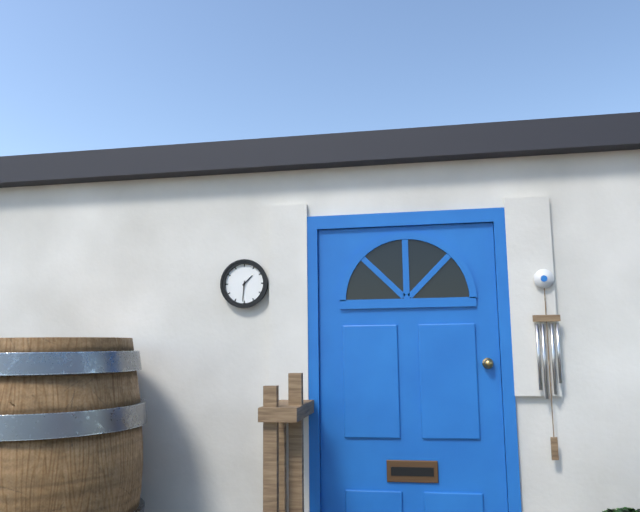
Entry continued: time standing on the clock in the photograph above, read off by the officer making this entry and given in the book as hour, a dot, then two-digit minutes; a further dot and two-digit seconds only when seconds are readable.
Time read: 1.31
